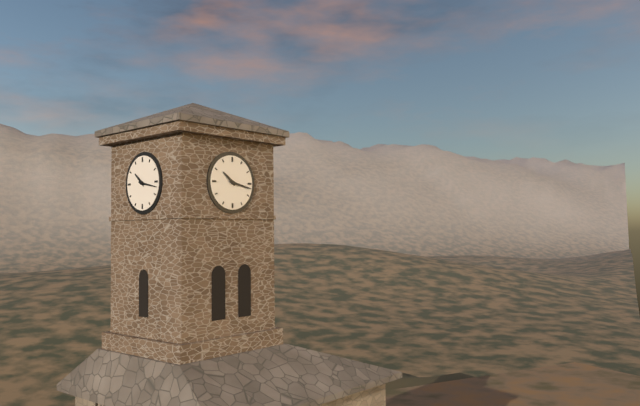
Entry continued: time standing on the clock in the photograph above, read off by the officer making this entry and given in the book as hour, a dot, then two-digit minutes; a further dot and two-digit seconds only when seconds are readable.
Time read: 10.17
